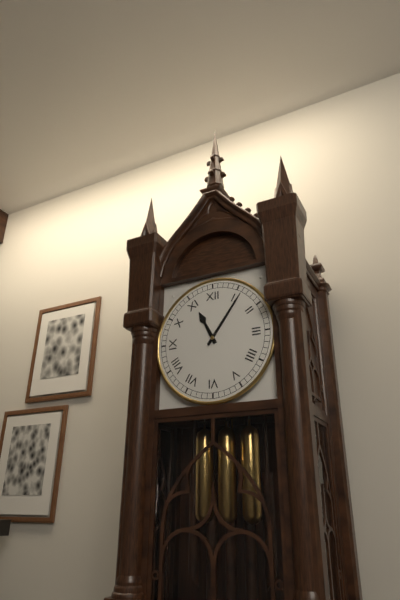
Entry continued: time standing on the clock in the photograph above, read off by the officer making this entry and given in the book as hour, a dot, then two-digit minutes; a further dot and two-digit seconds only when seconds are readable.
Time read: 11.06
